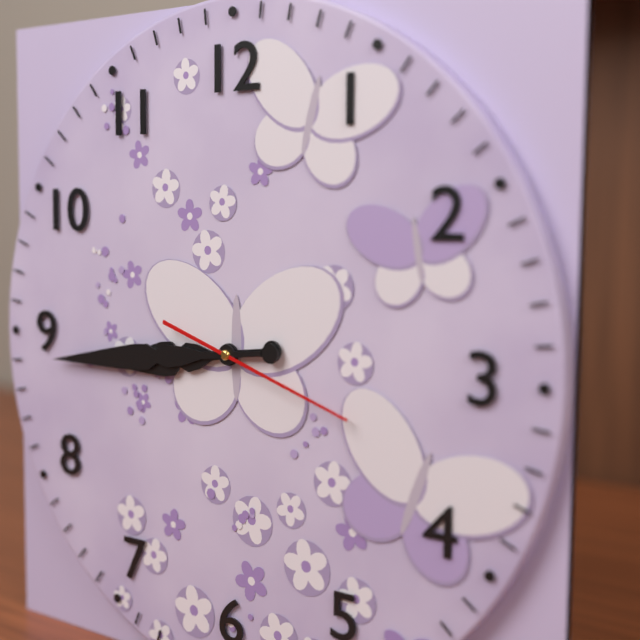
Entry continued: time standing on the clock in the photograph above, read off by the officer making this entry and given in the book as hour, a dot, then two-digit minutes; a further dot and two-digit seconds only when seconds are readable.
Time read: 8.44.18
